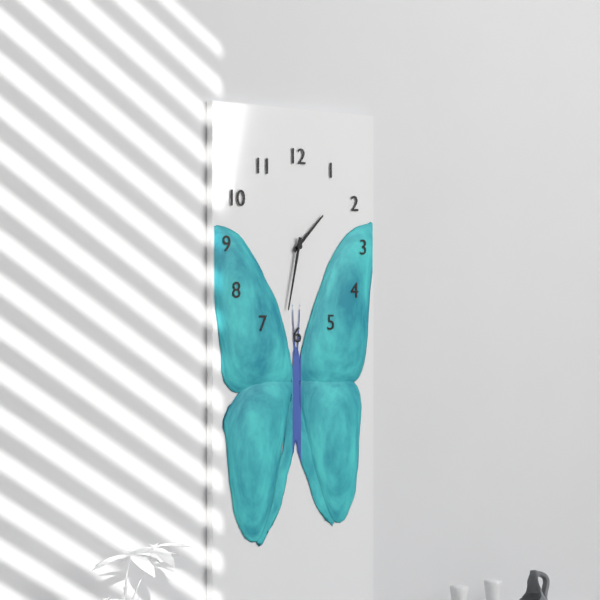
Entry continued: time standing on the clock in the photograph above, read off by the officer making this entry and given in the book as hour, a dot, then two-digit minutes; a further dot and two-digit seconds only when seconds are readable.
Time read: 1.32
